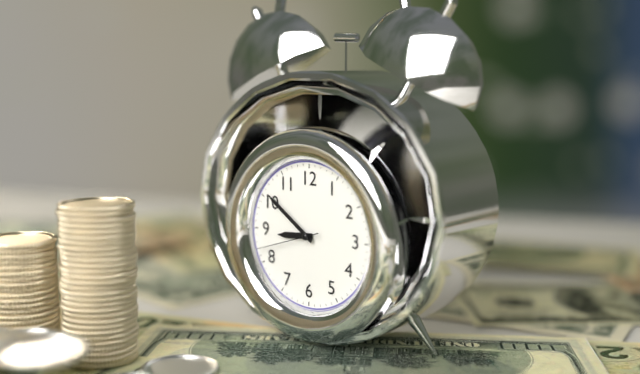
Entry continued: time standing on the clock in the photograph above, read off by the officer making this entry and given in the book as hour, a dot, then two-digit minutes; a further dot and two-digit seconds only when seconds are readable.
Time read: 8.51.42
